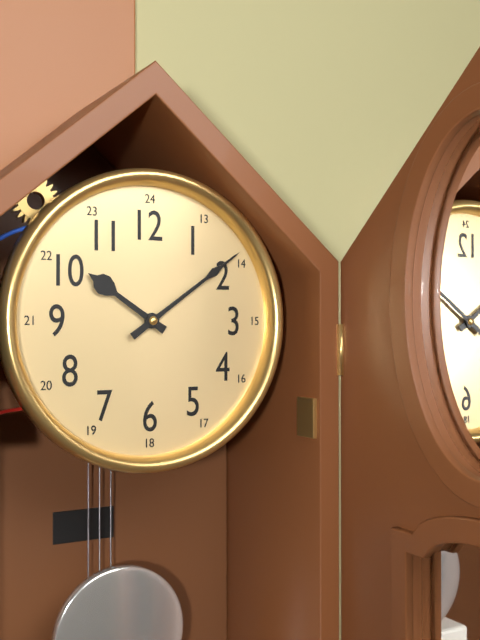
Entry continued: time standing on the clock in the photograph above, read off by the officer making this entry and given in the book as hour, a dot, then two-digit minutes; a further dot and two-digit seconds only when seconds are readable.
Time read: 10.09
